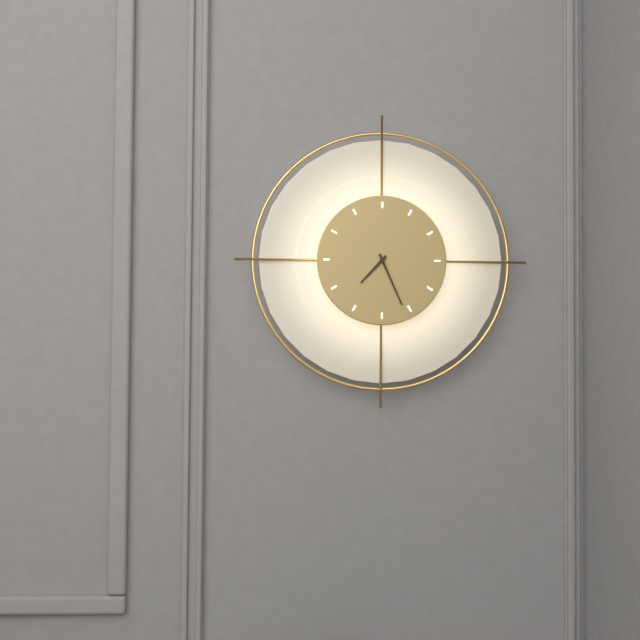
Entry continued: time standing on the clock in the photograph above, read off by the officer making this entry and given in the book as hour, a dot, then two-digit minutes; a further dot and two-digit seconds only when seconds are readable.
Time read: 7.26
